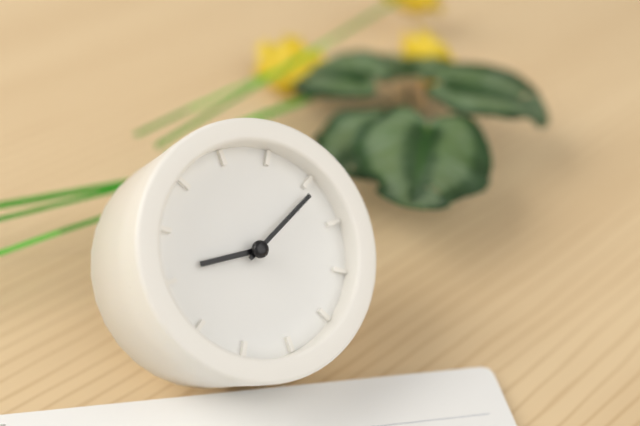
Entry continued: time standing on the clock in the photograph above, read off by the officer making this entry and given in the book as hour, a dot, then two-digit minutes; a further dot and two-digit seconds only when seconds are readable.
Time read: 9.11
